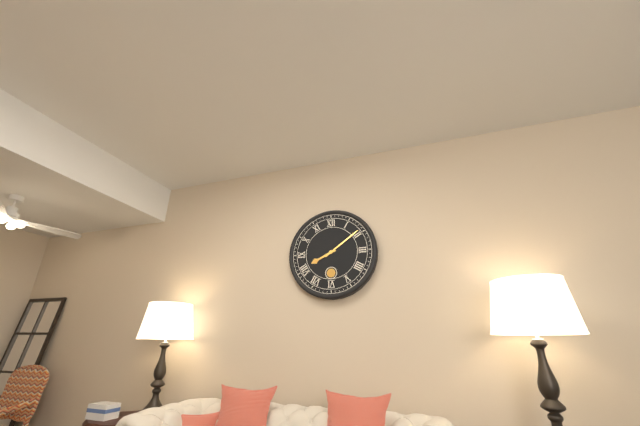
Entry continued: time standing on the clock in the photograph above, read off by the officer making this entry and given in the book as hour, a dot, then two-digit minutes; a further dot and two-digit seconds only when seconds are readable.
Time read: 8.09
